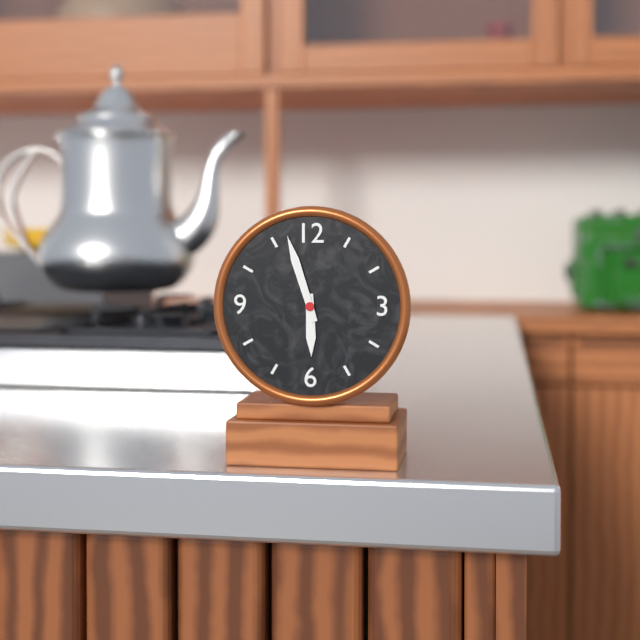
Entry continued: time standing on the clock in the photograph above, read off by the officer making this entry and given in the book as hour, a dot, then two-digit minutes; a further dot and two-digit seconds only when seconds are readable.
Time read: 5.57
